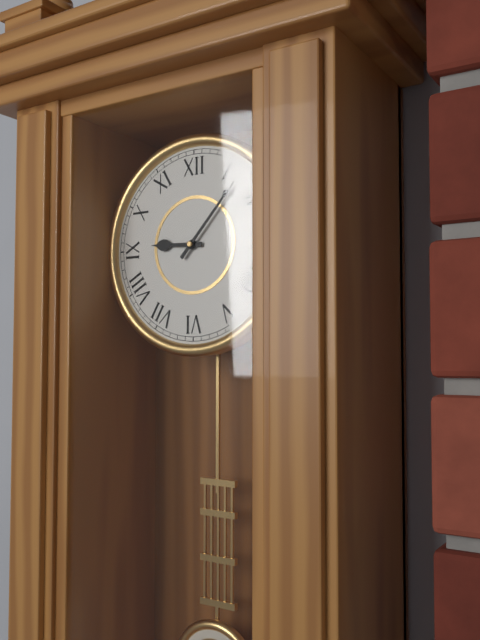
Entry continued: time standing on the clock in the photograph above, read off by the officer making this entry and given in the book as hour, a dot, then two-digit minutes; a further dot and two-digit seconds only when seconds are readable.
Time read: 9.07
